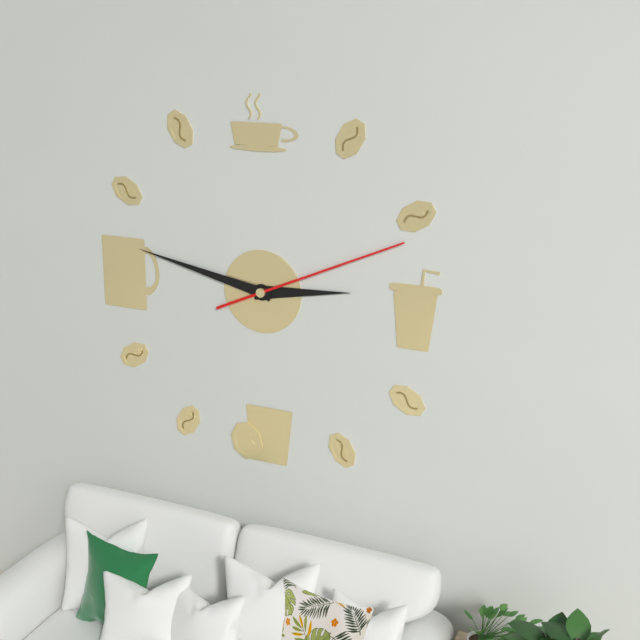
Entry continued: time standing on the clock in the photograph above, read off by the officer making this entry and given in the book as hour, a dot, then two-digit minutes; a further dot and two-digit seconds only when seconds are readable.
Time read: 2.47.11
